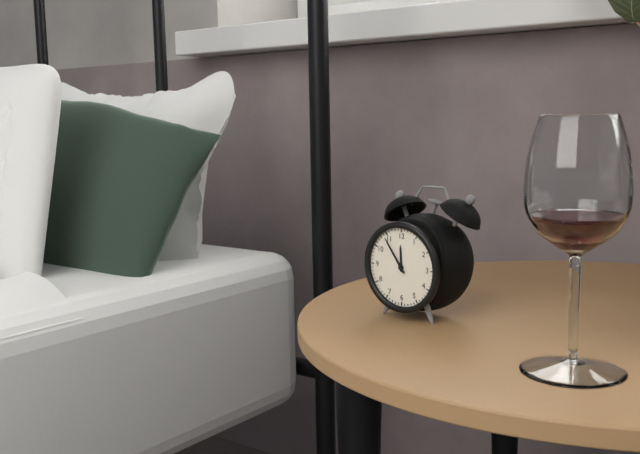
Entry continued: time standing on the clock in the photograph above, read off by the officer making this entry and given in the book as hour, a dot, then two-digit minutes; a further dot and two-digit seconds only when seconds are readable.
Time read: 11.54
